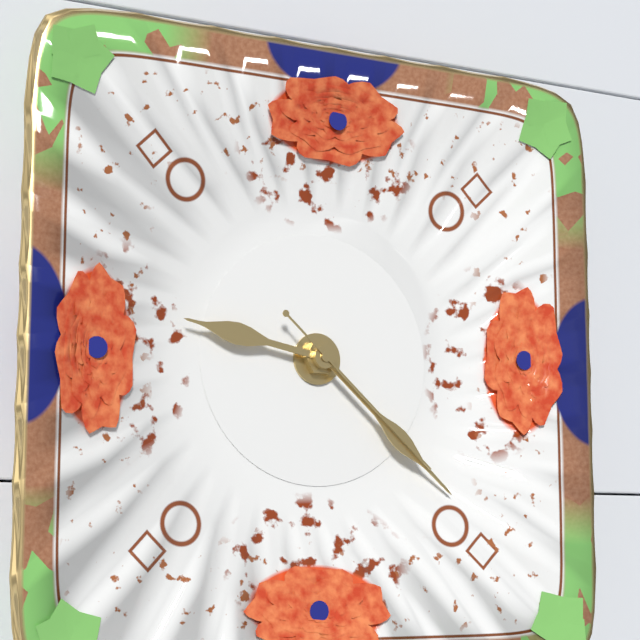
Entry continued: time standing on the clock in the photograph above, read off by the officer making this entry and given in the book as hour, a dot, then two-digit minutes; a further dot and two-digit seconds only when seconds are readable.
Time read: 9.22.22
